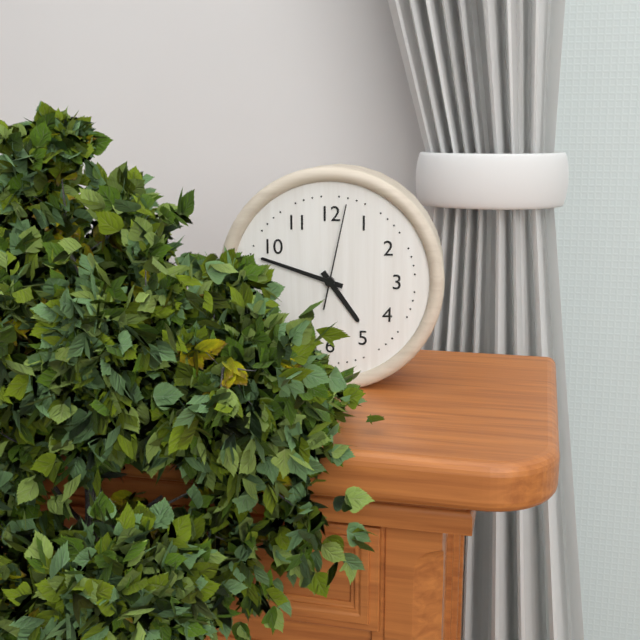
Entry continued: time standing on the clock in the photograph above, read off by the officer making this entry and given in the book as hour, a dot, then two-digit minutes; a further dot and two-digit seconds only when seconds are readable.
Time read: 4.48.02
